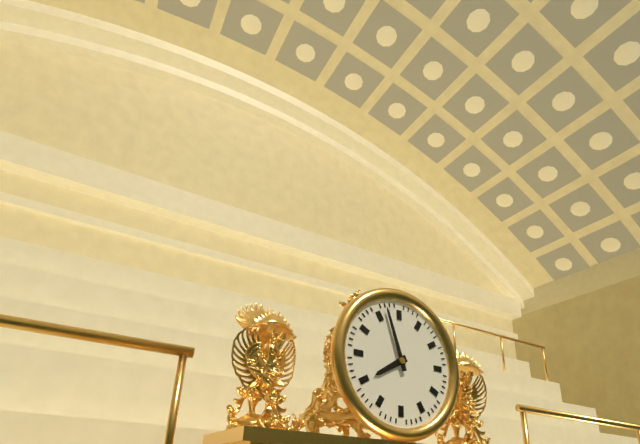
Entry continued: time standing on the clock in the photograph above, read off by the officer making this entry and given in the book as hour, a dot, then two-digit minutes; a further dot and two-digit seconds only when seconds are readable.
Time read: 7.57
